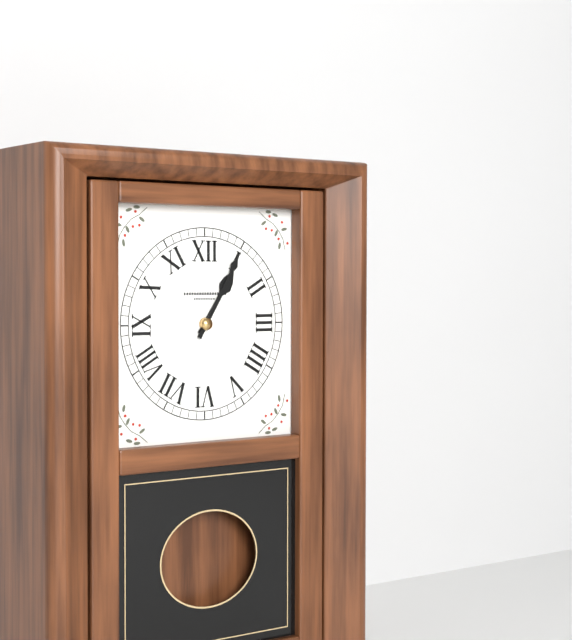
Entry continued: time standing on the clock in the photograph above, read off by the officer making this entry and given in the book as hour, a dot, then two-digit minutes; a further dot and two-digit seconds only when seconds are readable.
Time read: 1.05
